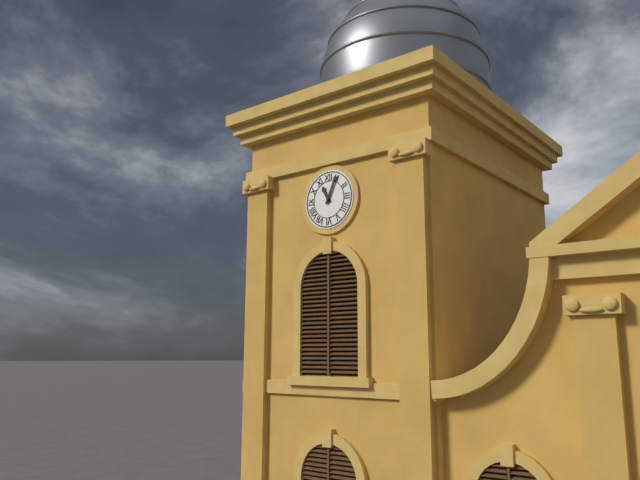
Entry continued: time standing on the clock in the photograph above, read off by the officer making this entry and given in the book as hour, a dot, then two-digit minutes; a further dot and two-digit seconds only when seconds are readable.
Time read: 11.04
